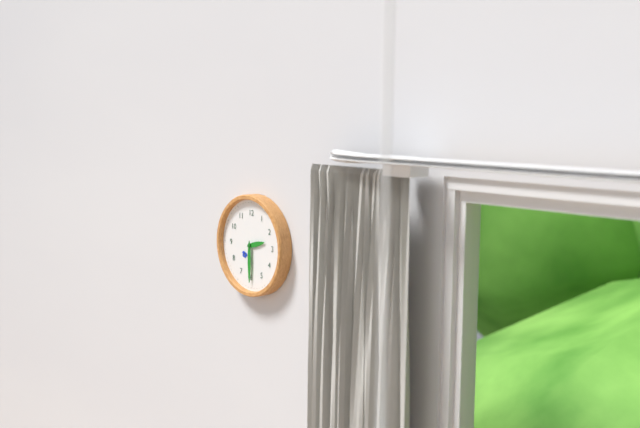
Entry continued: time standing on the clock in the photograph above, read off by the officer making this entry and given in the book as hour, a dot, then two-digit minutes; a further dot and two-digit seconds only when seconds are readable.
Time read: 2.30
